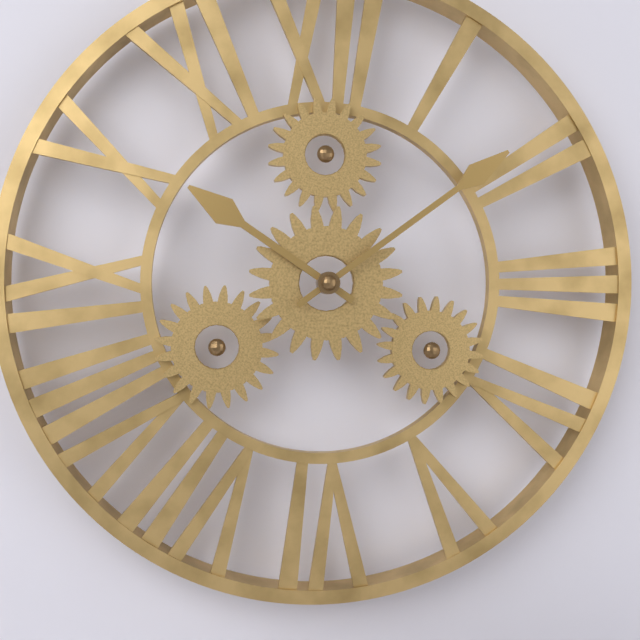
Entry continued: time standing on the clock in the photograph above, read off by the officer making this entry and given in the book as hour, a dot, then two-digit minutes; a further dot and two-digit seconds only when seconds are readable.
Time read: 10.09
